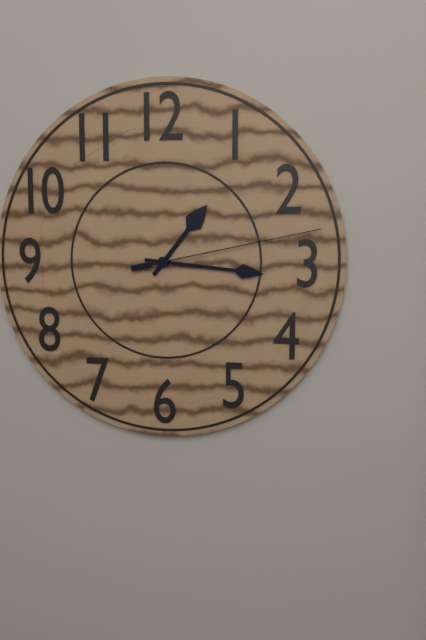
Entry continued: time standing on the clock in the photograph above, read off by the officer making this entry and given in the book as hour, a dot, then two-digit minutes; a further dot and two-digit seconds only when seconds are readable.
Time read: 1.16.13
